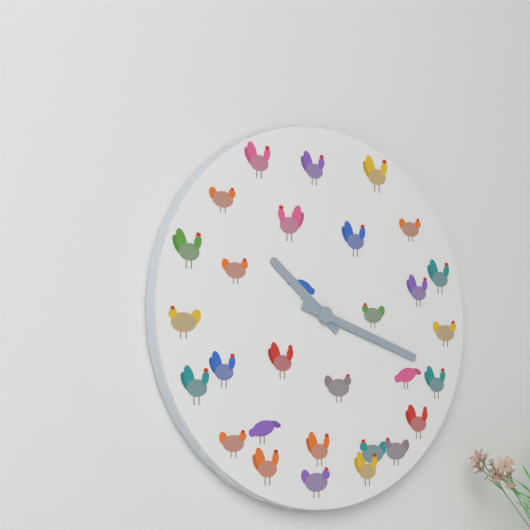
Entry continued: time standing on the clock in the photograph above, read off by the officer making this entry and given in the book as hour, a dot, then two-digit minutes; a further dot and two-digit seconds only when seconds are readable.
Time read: 10.18
